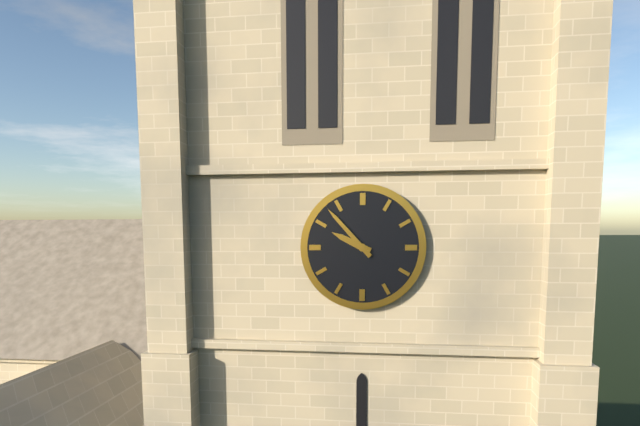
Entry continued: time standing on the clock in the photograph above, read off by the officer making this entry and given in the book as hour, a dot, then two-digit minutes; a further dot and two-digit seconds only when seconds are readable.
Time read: 9.53
